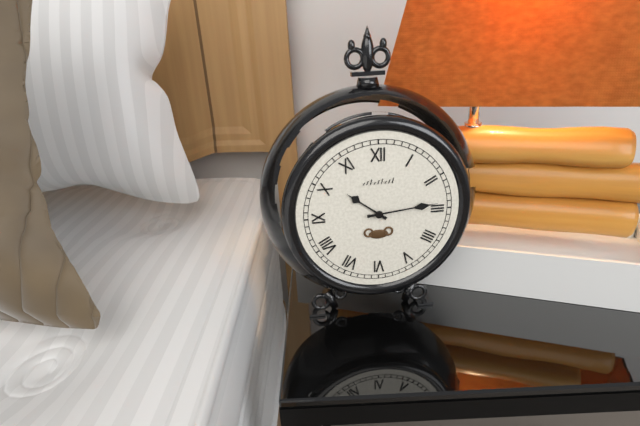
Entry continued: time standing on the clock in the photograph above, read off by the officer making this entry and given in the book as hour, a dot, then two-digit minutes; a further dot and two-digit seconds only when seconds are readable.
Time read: 10.14
